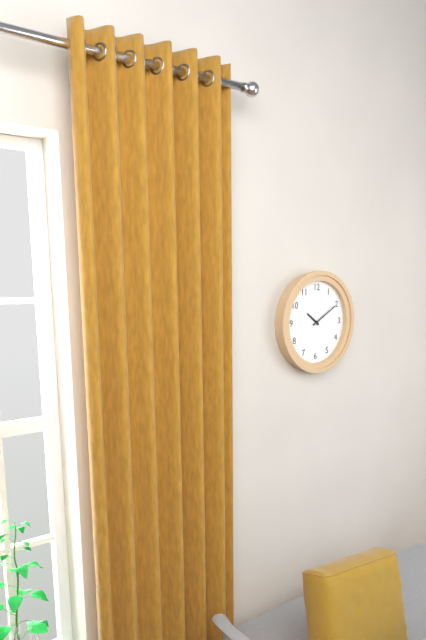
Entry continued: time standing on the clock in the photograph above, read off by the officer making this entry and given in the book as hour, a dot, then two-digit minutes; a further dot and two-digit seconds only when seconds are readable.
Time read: 10.10
